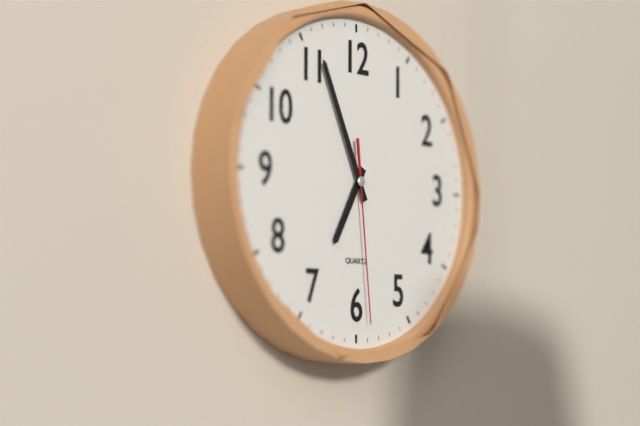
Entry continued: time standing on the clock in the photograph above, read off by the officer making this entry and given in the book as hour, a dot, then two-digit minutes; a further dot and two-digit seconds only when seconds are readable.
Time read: 6.56.29
